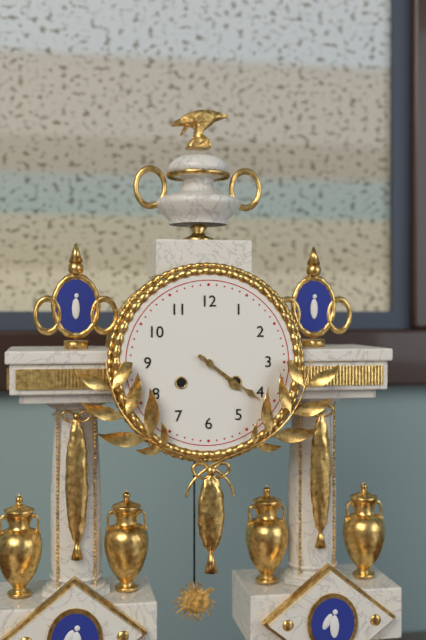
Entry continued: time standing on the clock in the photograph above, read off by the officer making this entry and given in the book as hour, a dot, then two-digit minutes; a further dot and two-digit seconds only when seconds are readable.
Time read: 4.21
